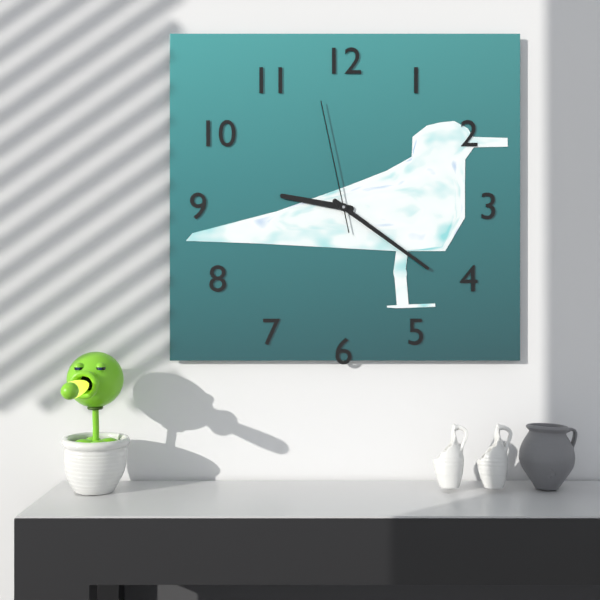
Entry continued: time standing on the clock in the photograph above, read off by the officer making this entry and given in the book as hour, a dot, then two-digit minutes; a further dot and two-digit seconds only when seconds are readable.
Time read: 9.21.58
